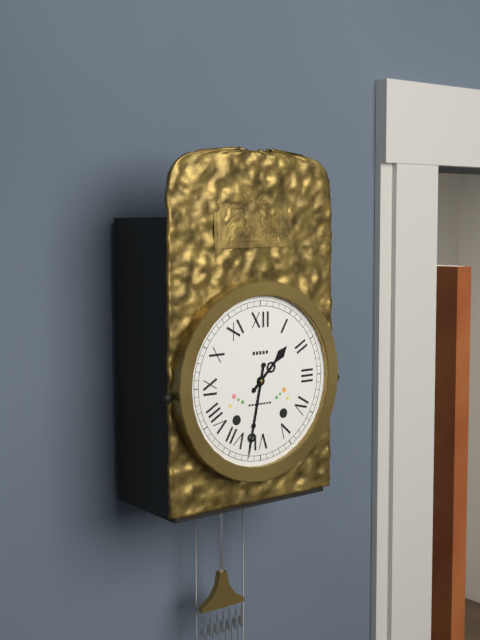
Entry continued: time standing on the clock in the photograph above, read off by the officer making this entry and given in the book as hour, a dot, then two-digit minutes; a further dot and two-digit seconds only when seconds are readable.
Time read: 1.32
